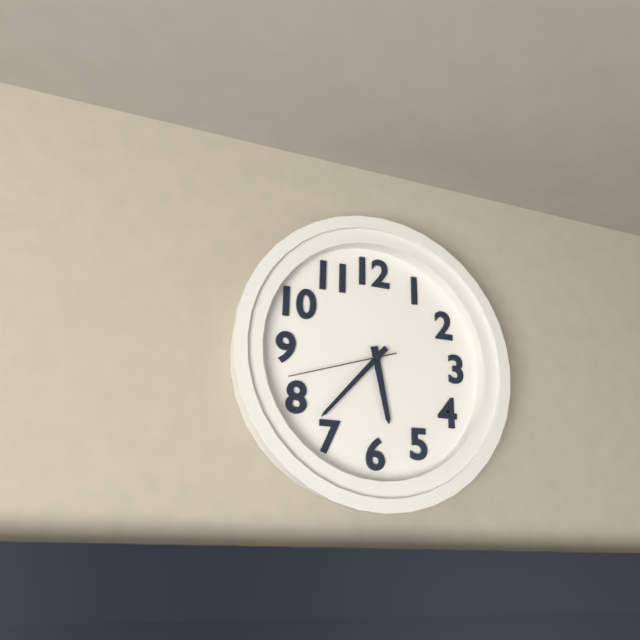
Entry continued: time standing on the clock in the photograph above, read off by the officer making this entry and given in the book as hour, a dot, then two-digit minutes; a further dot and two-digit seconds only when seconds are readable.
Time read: 5.37.42
